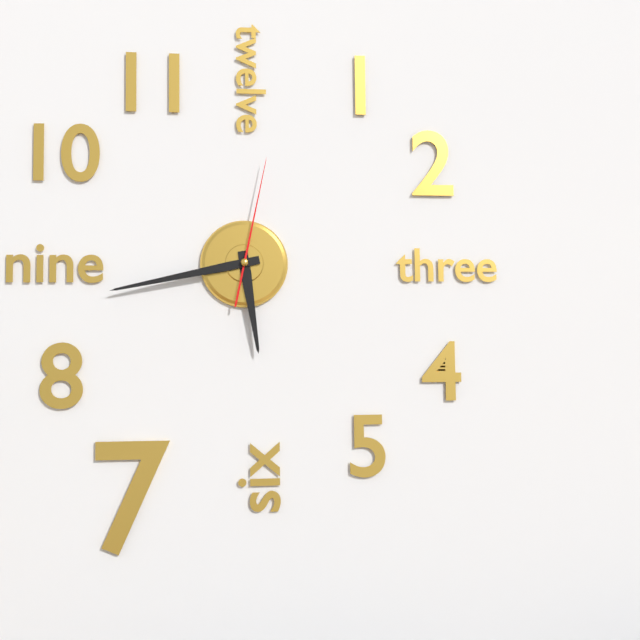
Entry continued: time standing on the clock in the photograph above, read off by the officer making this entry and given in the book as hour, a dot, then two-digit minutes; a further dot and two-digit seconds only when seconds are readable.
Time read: 5.43.02
